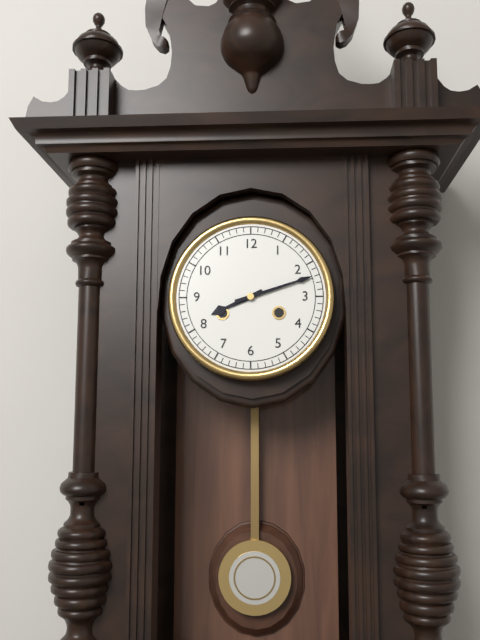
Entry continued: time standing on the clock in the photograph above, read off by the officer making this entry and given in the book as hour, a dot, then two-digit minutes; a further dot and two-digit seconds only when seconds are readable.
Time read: 8.12
